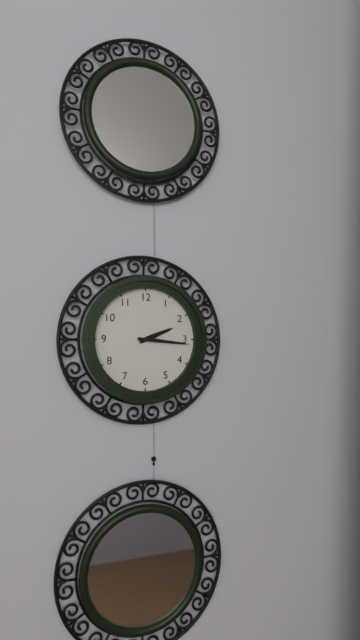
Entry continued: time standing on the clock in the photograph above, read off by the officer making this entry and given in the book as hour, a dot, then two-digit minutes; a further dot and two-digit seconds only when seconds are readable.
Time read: 2.16
